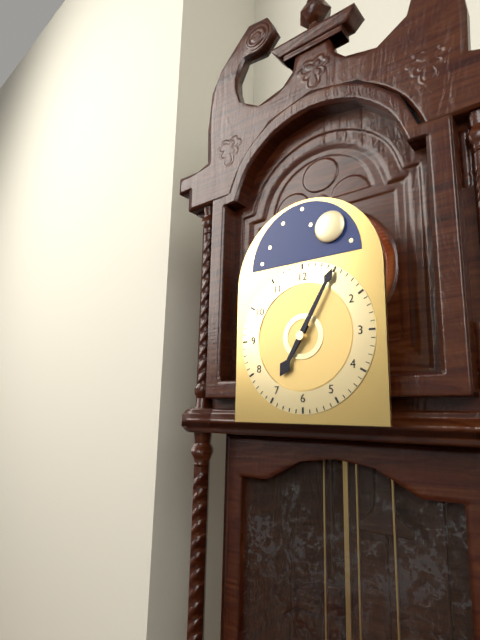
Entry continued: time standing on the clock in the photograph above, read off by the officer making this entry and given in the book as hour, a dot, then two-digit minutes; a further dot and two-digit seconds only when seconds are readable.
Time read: 7.05
